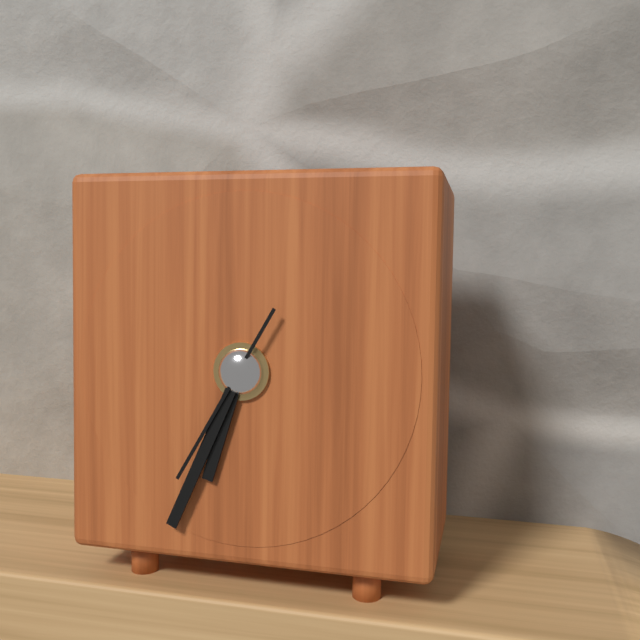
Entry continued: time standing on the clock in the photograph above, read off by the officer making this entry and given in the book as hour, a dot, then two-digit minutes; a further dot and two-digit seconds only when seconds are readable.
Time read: 6.34.35
